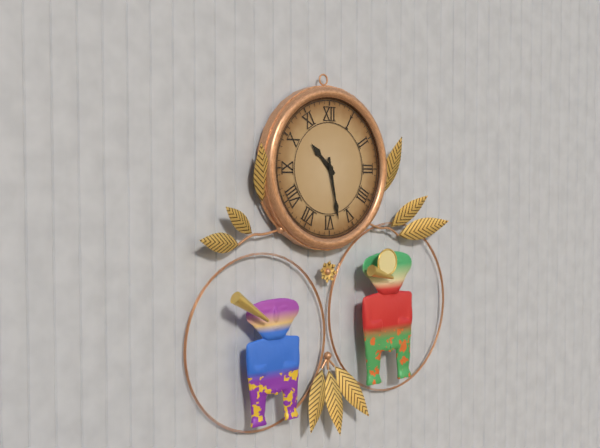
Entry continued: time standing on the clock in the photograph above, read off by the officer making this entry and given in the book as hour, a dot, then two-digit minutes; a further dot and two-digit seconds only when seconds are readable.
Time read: 10.28
